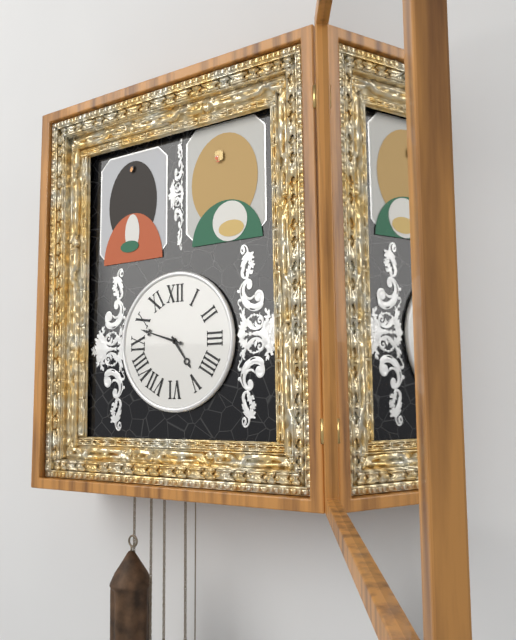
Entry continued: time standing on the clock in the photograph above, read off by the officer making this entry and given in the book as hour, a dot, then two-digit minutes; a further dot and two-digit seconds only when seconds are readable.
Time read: 4.48
